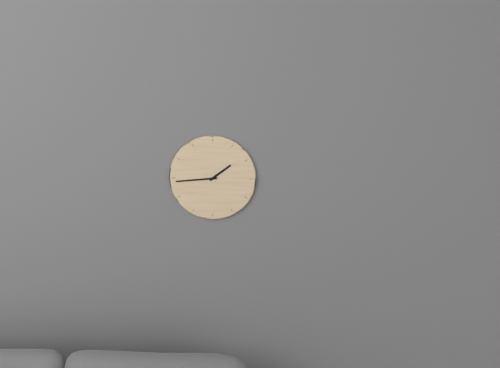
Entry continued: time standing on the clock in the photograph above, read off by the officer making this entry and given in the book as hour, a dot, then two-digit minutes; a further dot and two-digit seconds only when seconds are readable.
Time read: 1.44
